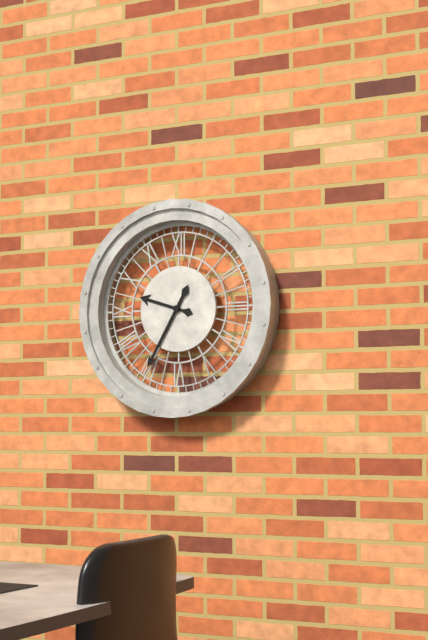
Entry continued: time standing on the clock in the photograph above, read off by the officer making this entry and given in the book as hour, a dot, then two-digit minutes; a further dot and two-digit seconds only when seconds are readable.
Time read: 9.35
